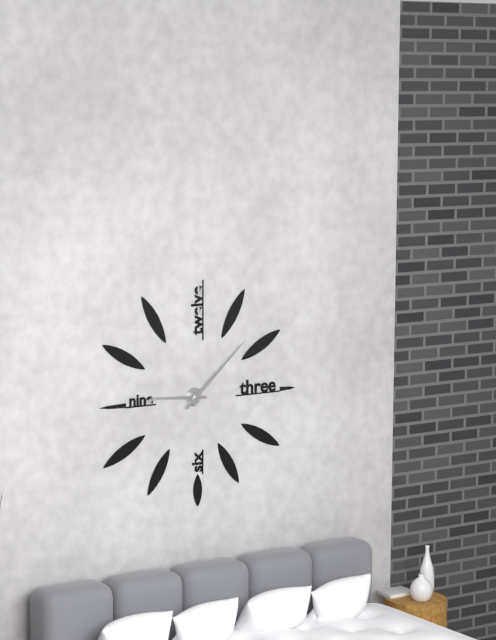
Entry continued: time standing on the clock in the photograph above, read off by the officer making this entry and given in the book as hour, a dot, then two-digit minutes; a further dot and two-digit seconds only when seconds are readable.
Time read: 9.08
